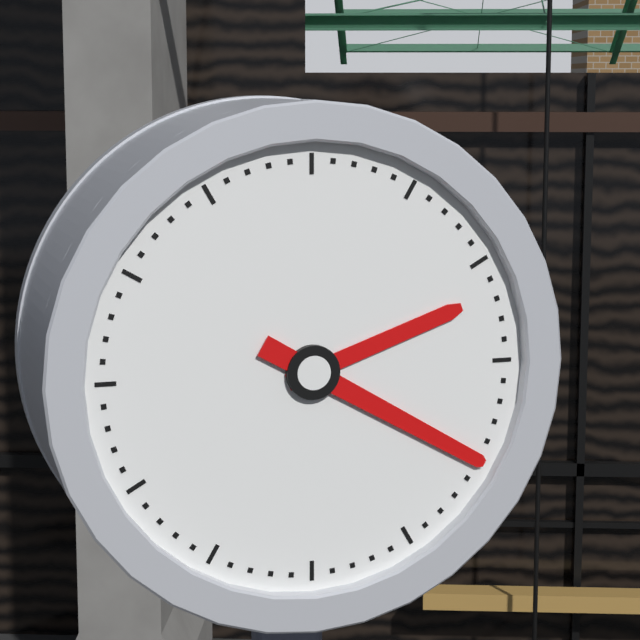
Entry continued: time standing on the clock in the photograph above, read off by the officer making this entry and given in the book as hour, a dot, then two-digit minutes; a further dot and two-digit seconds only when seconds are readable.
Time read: 2.20
